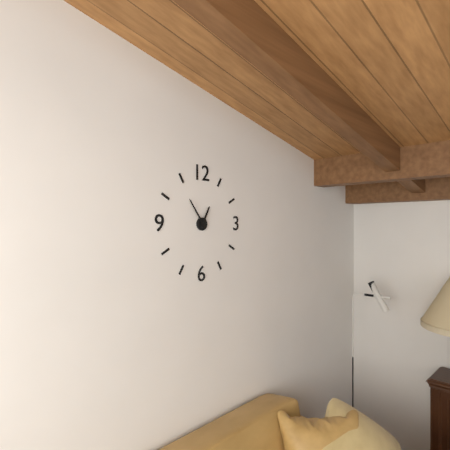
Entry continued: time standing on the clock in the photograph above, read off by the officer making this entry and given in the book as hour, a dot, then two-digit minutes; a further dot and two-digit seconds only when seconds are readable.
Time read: 12.54
